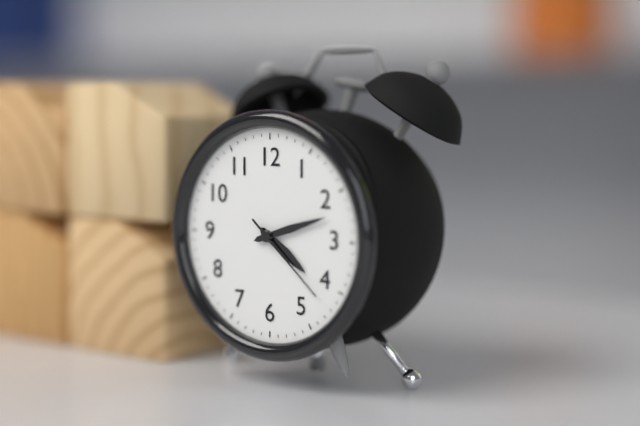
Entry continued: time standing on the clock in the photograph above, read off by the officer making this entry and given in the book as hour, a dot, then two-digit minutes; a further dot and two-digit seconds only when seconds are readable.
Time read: 4.12.22
